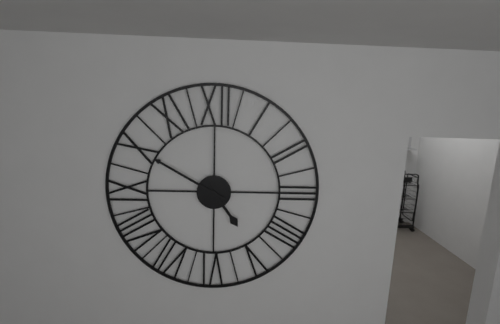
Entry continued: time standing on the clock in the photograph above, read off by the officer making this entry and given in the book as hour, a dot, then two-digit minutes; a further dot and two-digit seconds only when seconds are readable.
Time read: 4.50
